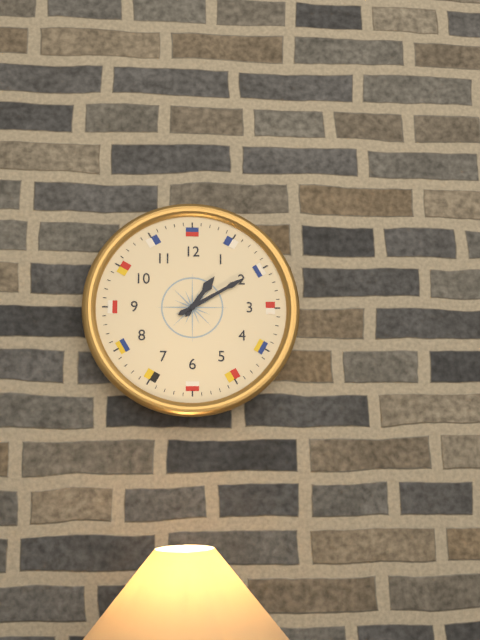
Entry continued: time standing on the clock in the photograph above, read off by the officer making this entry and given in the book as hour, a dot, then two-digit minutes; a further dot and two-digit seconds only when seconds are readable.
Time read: 1.10
